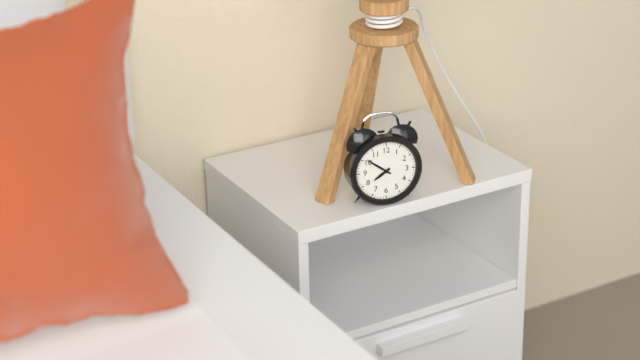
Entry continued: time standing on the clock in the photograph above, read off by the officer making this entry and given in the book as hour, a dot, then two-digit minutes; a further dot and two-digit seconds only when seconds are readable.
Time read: 7.51
